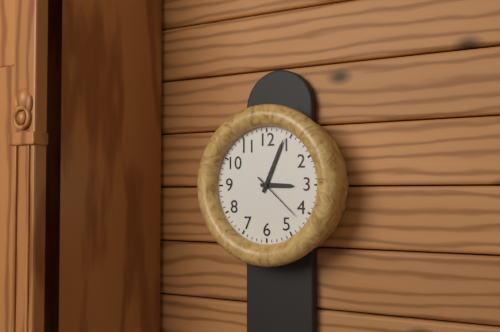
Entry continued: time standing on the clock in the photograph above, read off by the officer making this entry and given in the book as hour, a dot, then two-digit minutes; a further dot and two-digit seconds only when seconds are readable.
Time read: 3.04.22
